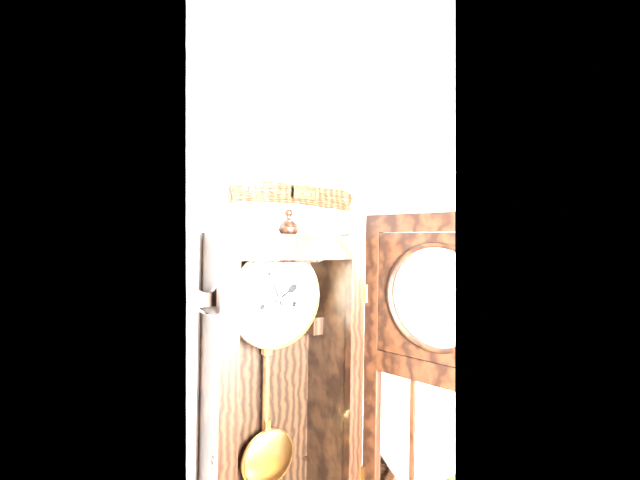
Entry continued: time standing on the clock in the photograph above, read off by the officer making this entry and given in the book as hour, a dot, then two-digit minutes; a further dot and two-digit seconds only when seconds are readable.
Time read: 1.56
